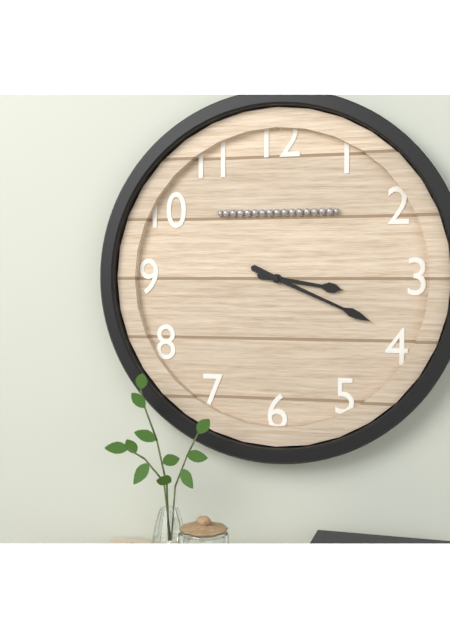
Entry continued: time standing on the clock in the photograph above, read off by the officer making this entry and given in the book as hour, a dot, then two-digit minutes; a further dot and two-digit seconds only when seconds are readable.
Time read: 3.19
